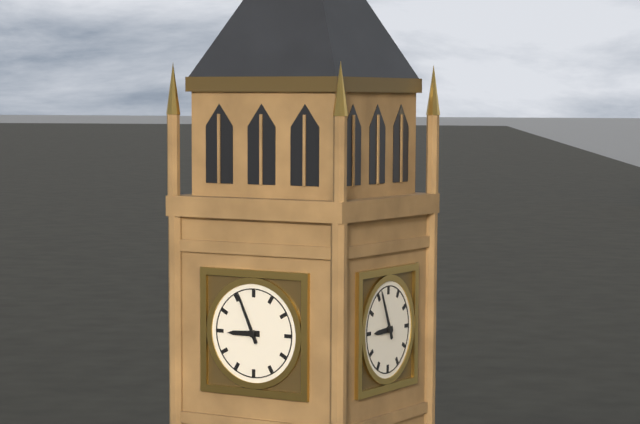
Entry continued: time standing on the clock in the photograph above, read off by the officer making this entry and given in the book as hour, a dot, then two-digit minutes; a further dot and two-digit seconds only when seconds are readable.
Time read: 8.56
